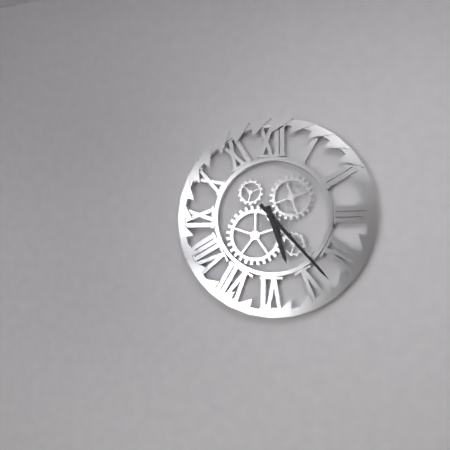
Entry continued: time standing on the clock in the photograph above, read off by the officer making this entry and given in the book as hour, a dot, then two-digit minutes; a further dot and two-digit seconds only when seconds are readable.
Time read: 5.23
